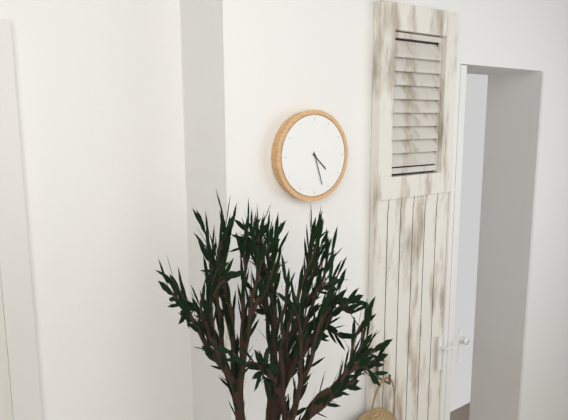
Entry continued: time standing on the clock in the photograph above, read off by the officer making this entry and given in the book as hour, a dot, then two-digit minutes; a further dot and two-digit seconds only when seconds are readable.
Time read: 4.27
